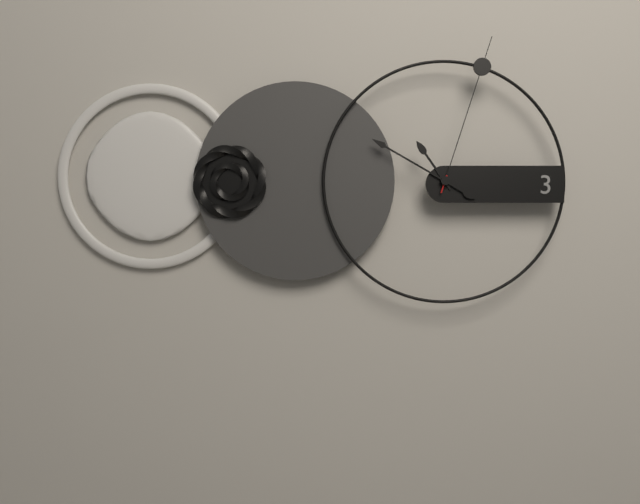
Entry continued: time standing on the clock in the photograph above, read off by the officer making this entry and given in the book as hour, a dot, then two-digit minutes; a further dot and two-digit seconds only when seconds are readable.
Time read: 10.50.03
